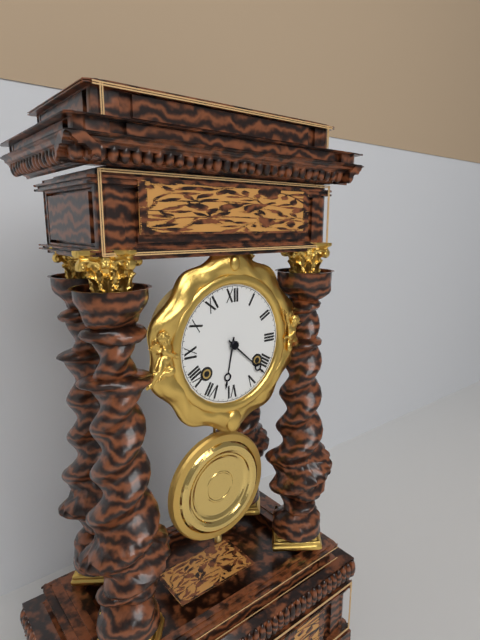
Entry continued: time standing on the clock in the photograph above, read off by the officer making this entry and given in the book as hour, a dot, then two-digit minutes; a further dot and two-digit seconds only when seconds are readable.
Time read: 6.22
